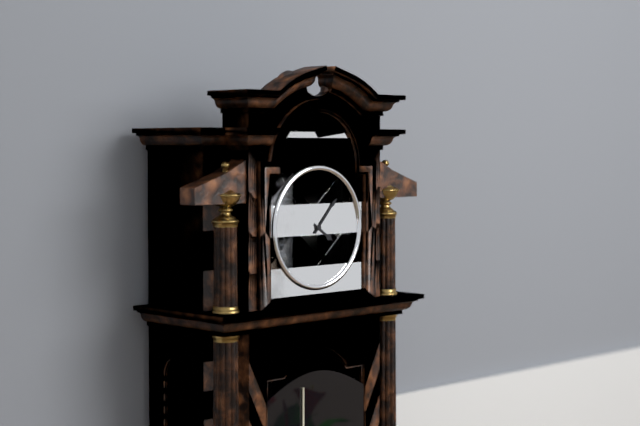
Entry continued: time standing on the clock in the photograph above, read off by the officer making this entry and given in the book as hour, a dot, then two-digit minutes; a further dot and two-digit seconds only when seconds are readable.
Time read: 4.07
